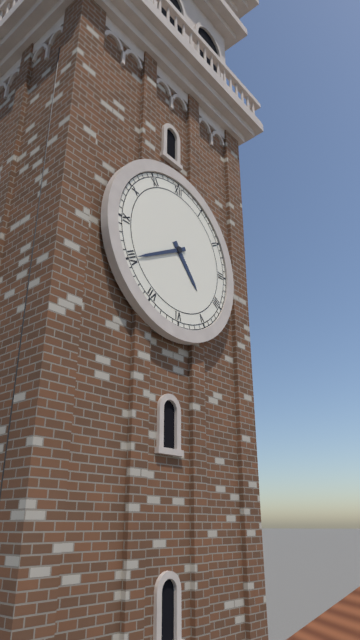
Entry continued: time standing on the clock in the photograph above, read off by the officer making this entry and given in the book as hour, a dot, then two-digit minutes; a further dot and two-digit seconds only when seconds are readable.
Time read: 4.40
